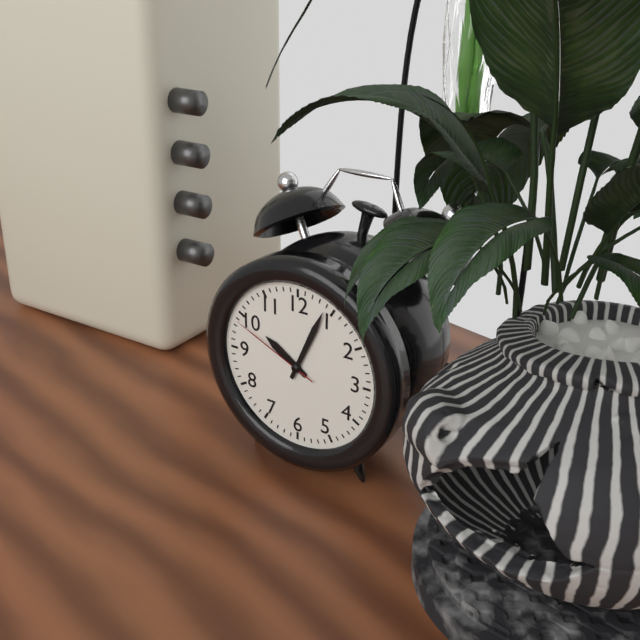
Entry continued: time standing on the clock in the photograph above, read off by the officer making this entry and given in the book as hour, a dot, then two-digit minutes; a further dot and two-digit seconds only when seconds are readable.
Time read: 10.04.49
